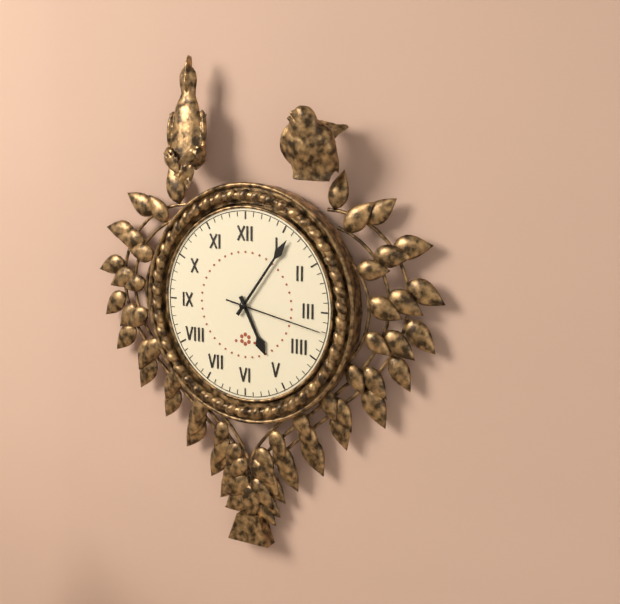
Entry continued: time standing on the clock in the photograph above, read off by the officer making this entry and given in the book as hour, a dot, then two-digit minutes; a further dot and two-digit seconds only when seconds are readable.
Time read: 5.06.17
